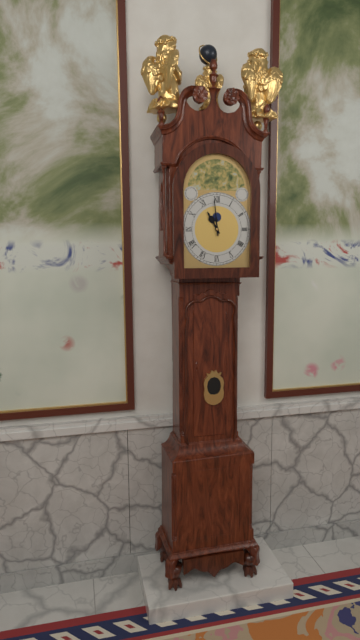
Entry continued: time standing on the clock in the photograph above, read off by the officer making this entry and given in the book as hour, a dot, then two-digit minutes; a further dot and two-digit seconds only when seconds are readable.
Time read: 10.59
